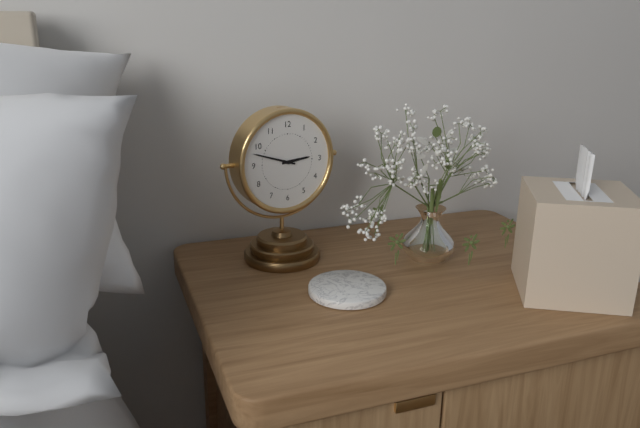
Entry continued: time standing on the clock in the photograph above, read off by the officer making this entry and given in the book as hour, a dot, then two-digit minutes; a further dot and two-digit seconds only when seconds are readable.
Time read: 2.48
